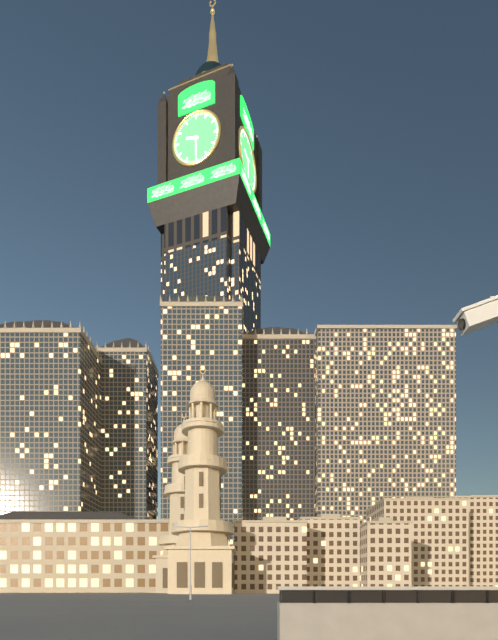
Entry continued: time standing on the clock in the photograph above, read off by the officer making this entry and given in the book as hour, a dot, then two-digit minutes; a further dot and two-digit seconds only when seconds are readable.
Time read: 9.30
